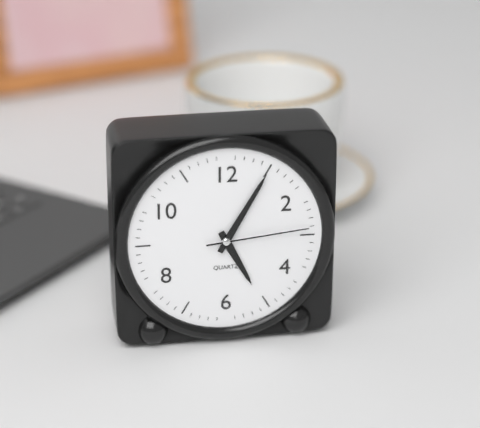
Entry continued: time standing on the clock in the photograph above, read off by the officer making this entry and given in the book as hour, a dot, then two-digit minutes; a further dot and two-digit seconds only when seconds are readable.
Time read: 5.05.14
